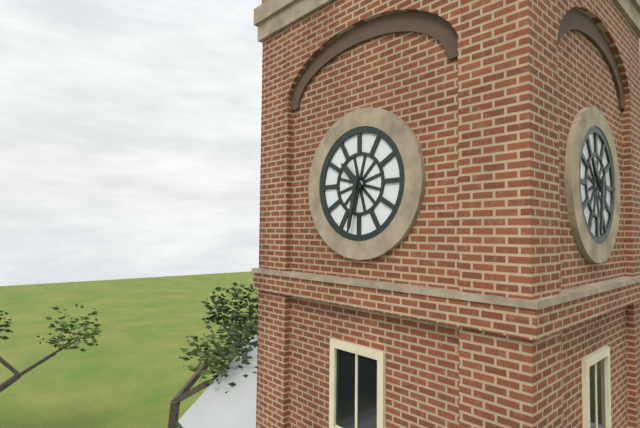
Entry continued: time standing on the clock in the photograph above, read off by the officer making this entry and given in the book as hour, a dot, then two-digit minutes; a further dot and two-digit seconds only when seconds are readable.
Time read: 10.32
